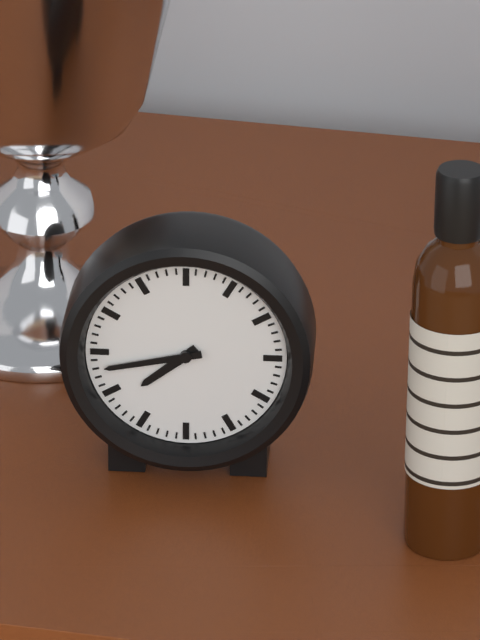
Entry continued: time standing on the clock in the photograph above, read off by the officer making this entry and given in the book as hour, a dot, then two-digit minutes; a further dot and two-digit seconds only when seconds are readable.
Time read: 7.43
